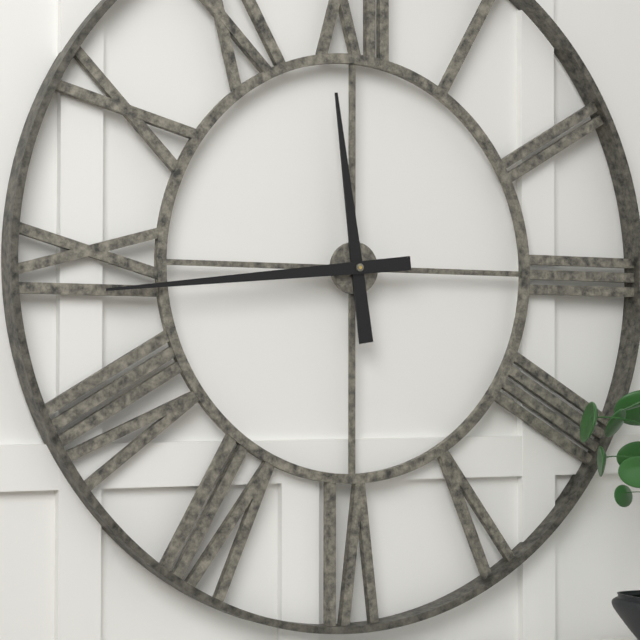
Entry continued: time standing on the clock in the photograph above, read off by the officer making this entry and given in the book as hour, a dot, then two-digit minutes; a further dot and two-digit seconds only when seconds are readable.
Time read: 11.44
